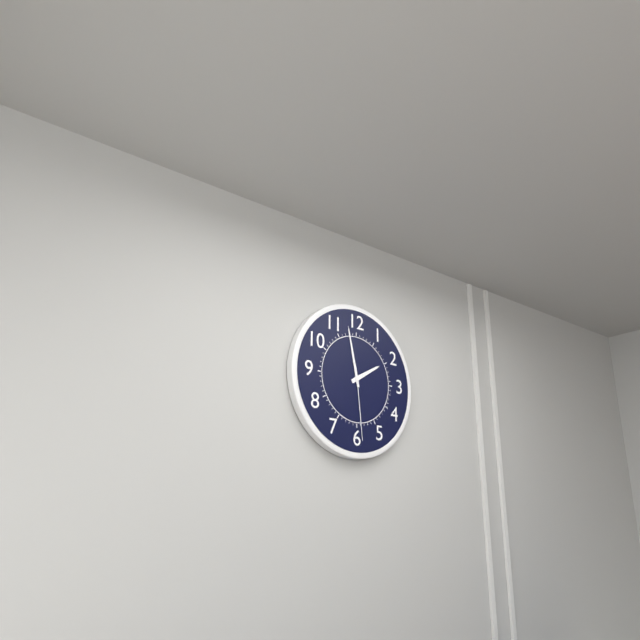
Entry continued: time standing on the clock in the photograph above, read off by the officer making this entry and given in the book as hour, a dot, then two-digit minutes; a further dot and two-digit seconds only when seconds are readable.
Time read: 1.58.29
